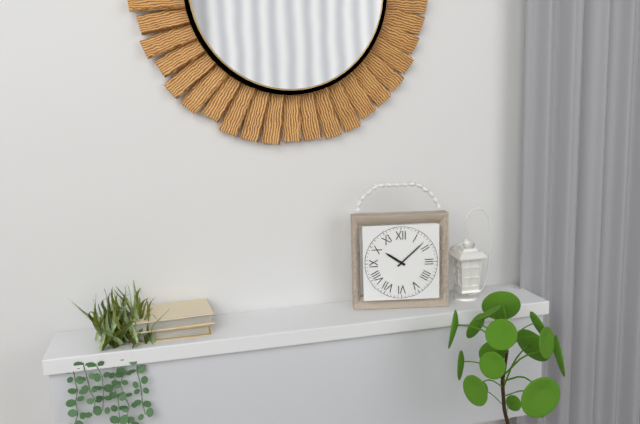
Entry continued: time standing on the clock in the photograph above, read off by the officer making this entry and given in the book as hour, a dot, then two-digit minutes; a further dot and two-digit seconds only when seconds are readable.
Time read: 10.08
